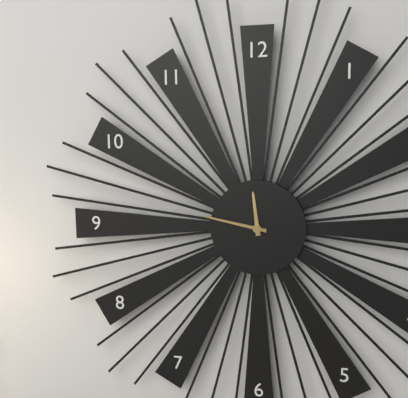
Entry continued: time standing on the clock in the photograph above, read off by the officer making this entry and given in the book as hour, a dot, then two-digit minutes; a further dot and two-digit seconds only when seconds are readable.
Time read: 11.47
